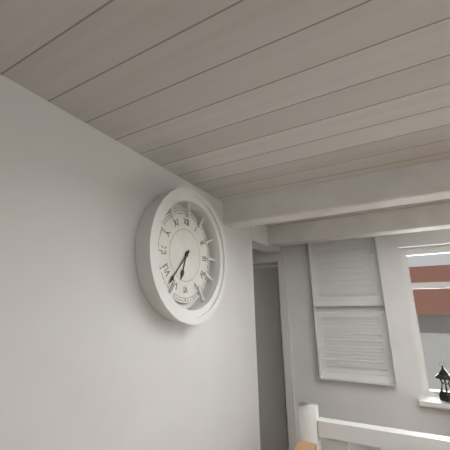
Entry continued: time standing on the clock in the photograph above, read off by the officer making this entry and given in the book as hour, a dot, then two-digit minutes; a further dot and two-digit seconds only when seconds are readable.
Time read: 6.37
